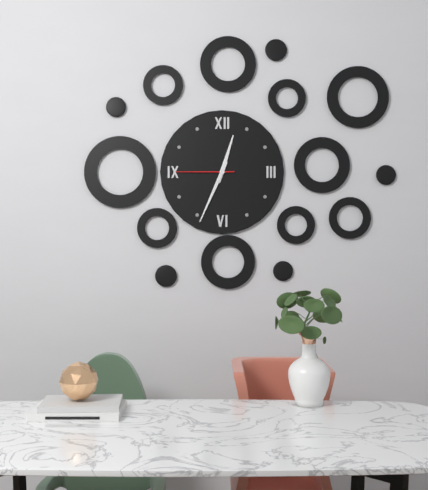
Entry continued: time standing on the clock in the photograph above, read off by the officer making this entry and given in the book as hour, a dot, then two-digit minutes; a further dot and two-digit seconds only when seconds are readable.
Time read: 12.34.45
